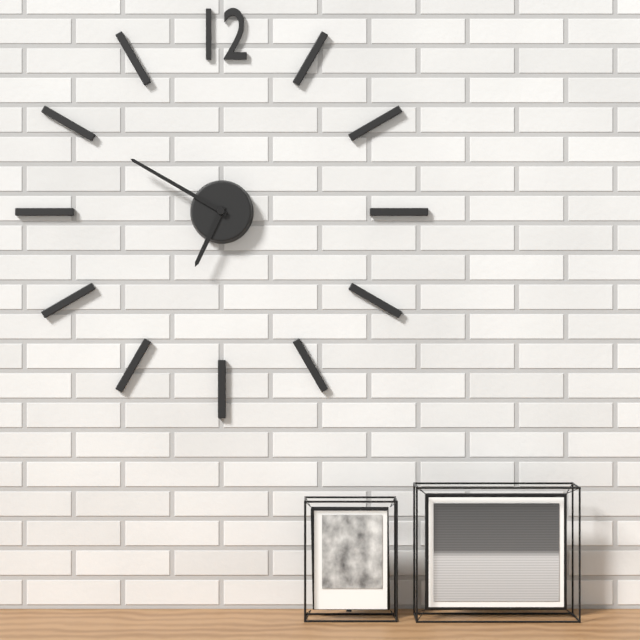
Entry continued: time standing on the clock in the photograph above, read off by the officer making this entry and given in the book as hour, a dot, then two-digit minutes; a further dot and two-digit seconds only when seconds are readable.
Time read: 6.50
